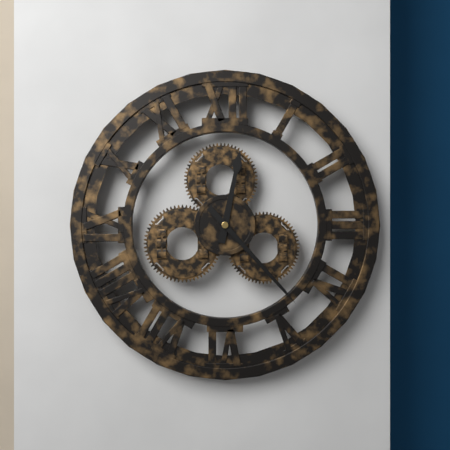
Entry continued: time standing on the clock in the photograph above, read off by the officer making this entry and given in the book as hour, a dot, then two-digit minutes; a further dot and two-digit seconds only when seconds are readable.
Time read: 12.23
